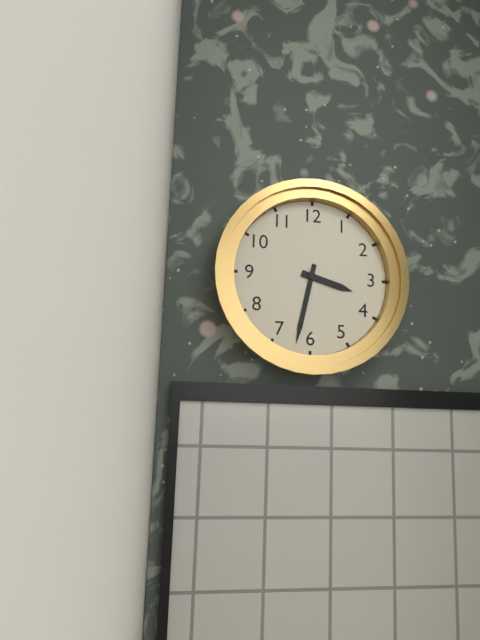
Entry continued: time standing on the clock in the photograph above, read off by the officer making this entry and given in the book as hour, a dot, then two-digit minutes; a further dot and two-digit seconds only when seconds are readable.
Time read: 3.32
